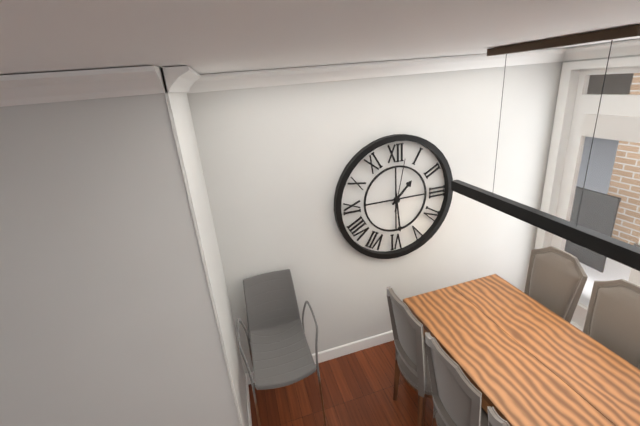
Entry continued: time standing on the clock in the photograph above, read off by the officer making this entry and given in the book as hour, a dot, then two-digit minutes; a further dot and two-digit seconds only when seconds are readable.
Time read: 1.29.02
